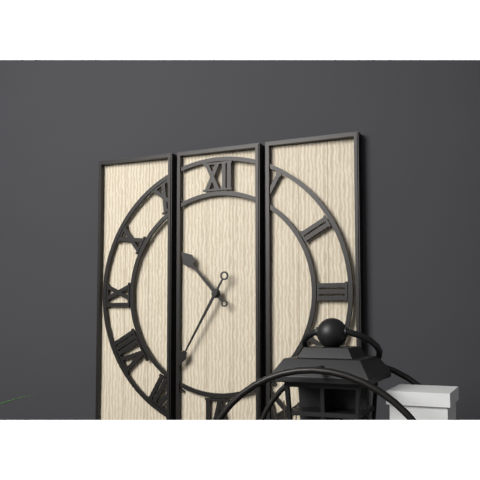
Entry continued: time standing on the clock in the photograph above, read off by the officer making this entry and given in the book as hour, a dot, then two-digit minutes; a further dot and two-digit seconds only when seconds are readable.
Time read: 10.35
